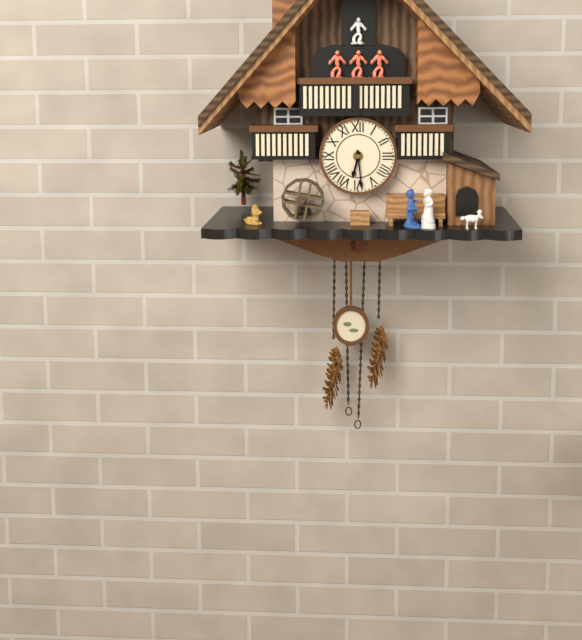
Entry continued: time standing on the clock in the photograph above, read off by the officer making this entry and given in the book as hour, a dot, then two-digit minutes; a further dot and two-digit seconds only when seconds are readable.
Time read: 6.29
